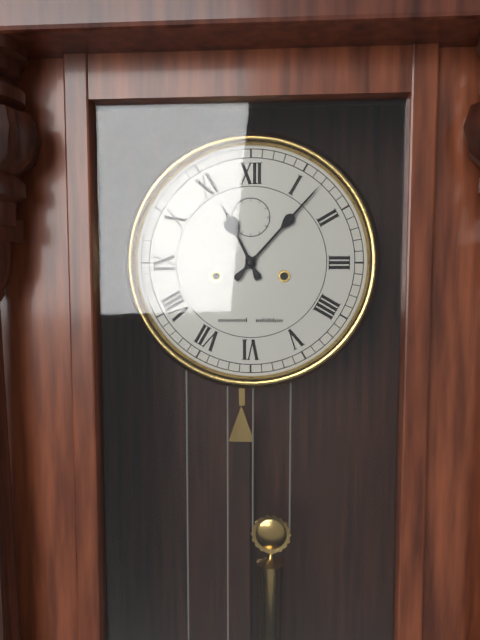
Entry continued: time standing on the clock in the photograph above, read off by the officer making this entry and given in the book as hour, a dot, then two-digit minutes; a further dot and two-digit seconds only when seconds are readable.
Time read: 11.07
